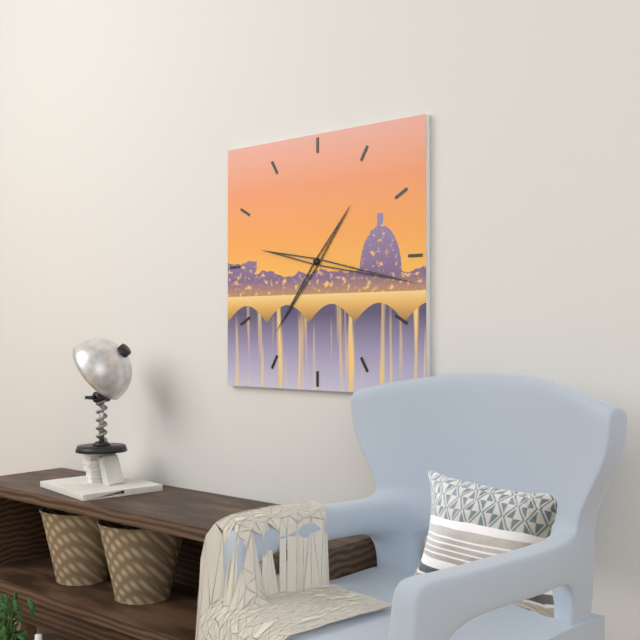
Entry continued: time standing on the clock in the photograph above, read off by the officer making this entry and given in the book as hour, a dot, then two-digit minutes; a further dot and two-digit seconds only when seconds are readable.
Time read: 7.17
